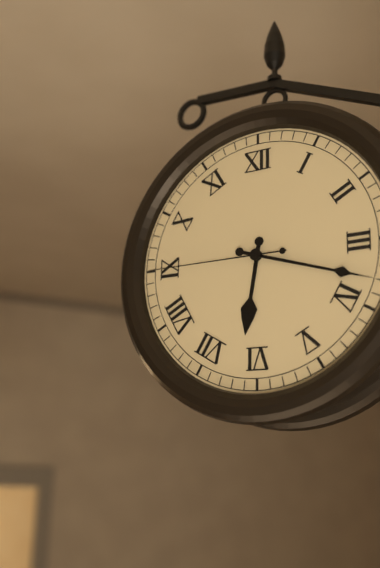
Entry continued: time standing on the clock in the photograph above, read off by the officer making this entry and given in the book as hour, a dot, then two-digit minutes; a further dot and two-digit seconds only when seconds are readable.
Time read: 6.18.45
